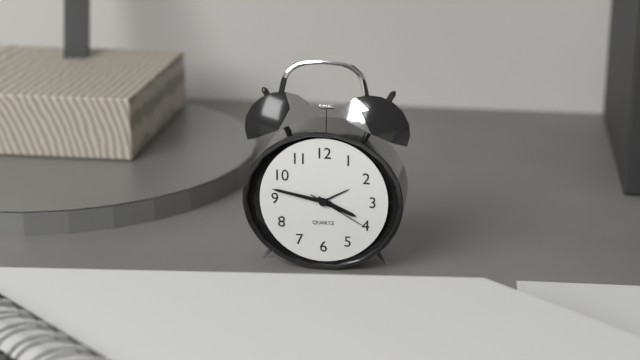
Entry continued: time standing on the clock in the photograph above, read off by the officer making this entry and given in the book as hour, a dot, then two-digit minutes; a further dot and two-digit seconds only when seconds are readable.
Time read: 3.47.20
